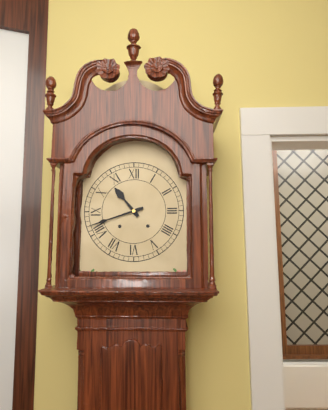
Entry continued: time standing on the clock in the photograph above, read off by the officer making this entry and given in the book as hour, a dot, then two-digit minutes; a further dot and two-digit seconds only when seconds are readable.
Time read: 10.42
